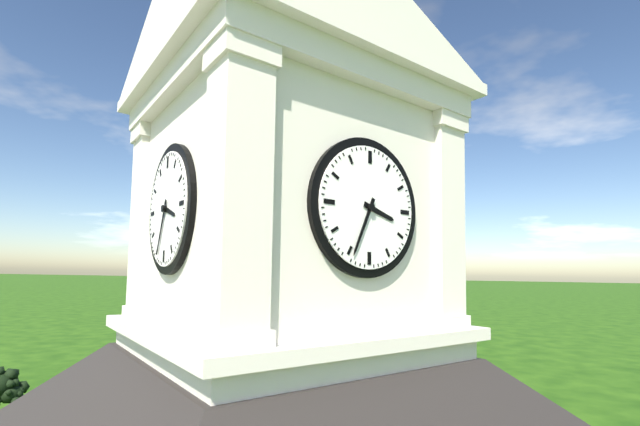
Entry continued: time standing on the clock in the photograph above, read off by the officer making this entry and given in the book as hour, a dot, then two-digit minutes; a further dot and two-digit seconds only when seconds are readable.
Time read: 3.34
